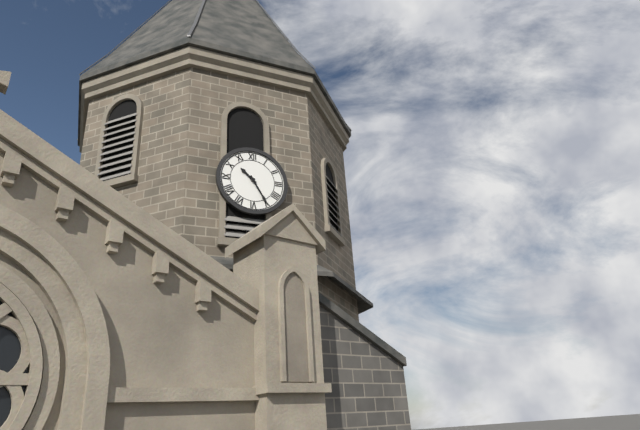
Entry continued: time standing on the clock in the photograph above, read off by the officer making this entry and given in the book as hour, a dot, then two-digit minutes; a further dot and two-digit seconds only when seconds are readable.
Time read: 10.25
